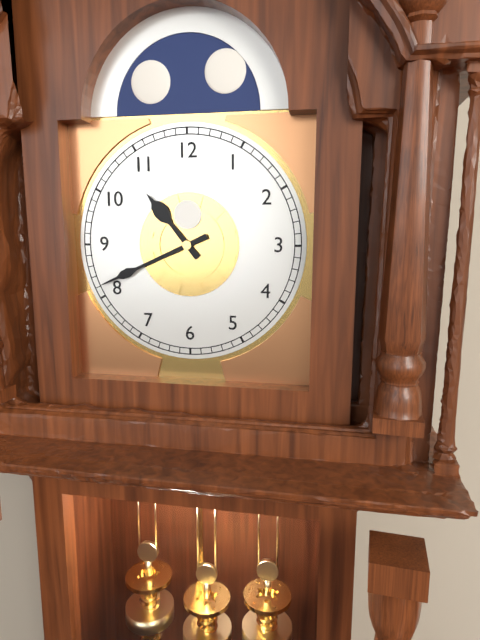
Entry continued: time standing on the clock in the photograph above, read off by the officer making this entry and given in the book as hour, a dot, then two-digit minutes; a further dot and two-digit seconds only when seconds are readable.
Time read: 10.41
